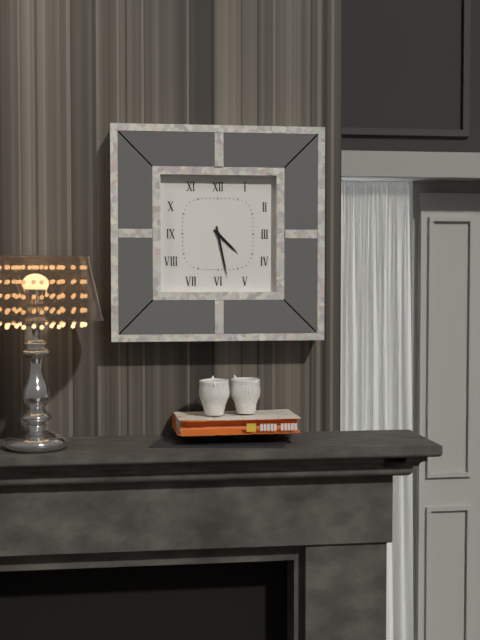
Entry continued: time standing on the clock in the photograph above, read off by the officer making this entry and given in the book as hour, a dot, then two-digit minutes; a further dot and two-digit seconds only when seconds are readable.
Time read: 4.28
